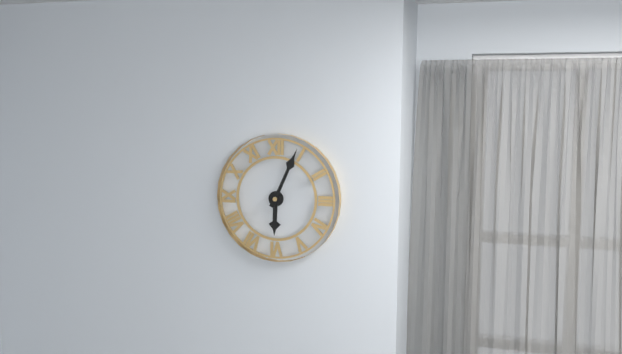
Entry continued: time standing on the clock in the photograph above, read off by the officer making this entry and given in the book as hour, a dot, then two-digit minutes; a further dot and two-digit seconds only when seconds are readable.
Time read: 6.04
